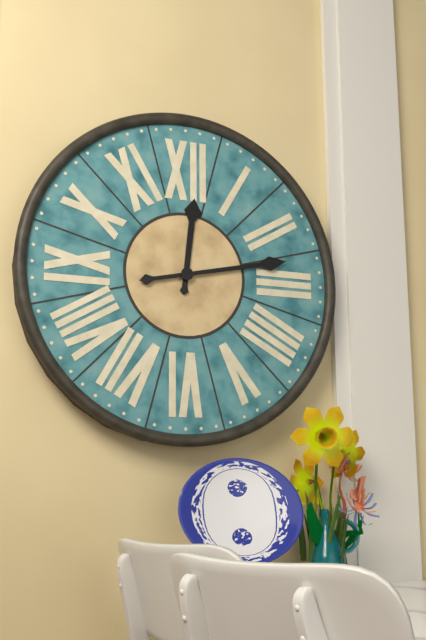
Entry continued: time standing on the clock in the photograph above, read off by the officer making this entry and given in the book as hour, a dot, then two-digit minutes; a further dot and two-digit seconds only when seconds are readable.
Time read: 12.13
